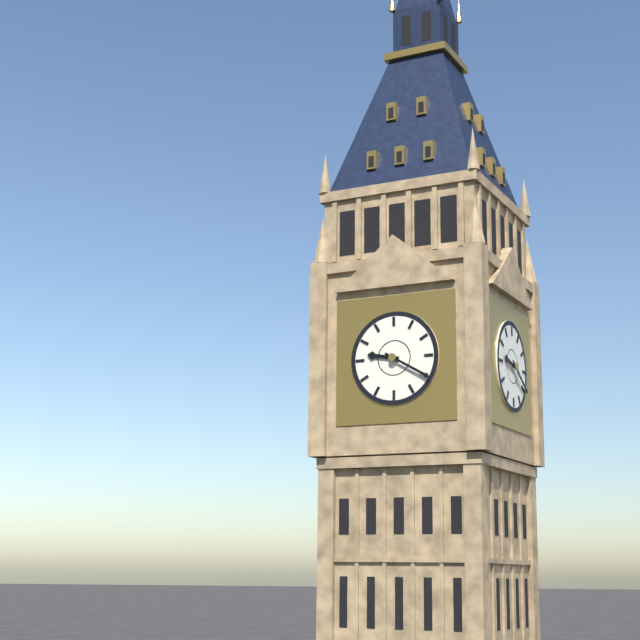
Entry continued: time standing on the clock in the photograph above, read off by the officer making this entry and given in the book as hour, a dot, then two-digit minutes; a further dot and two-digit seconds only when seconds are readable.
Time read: 9.20
